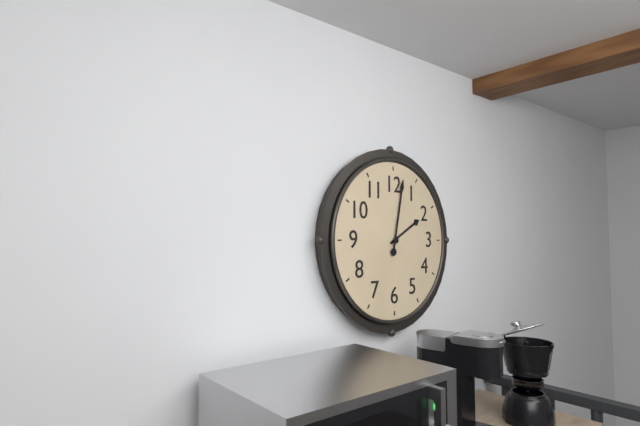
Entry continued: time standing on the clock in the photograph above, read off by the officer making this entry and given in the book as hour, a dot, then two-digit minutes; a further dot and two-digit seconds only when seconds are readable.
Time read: 2.02
